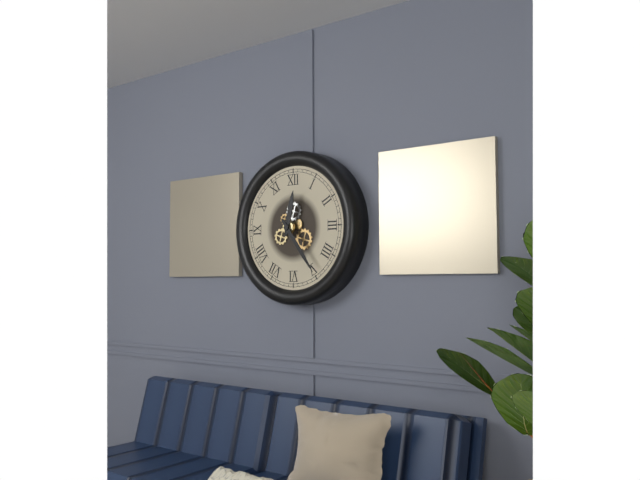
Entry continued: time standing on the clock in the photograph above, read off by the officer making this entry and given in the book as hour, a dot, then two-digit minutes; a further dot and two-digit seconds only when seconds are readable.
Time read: 12.24
